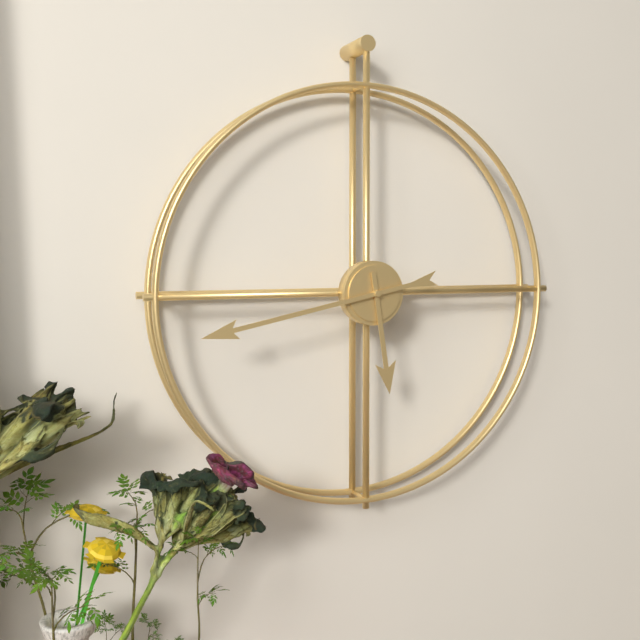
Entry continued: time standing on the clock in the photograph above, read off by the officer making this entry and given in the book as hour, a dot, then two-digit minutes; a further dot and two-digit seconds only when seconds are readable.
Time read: 5.43
